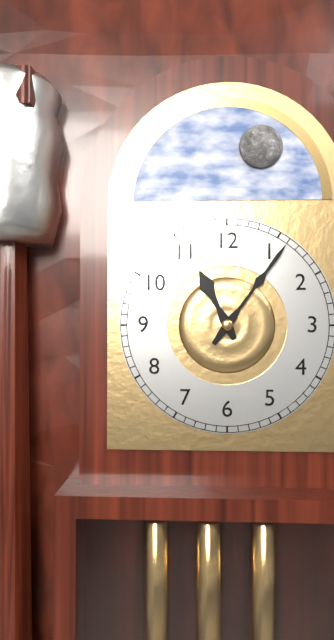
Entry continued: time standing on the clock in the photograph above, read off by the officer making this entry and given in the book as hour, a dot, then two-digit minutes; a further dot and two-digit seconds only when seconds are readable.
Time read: 11.06
